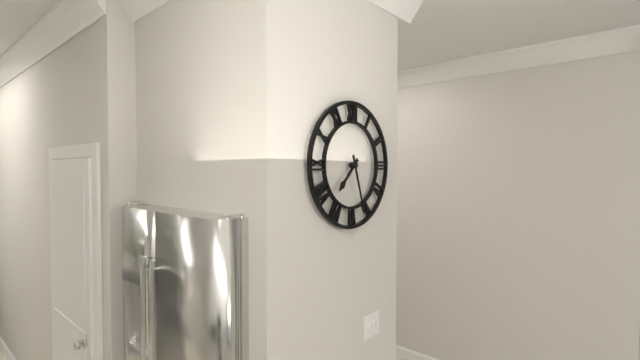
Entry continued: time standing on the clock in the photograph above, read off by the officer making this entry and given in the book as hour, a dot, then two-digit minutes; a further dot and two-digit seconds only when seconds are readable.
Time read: 7.27
